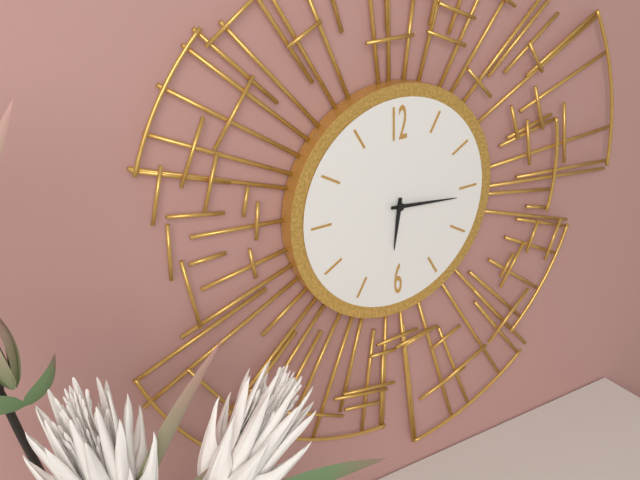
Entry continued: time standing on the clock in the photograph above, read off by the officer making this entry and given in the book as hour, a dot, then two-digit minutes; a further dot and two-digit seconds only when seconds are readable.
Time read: 6.16
